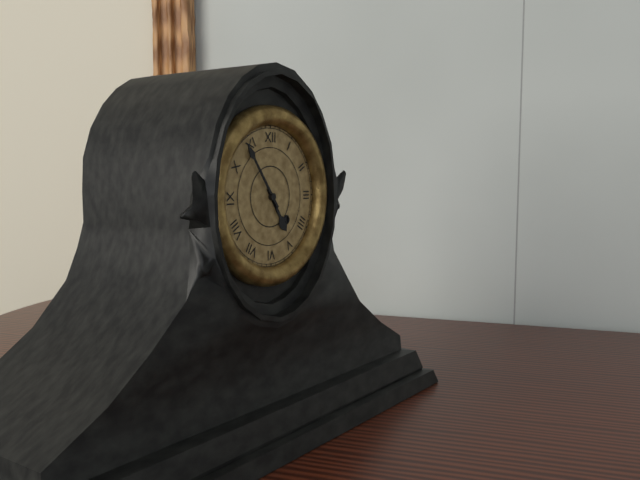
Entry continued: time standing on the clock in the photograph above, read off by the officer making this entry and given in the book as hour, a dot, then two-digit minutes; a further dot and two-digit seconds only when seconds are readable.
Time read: 4.54
